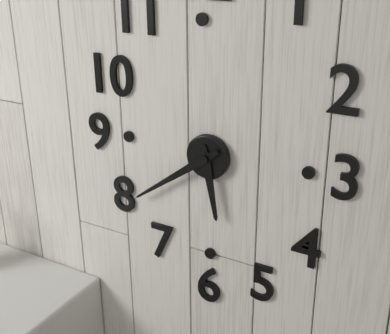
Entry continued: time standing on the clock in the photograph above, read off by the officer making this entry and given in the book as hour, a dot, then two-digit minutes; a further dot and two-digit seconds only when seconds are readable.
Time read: 5.39
